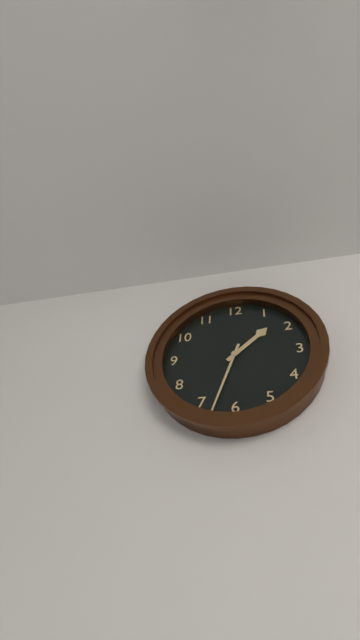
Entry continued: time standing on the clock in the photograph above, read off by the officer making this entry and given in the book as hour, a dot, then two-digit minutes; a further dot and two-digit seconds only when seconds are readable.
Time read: 1.33
